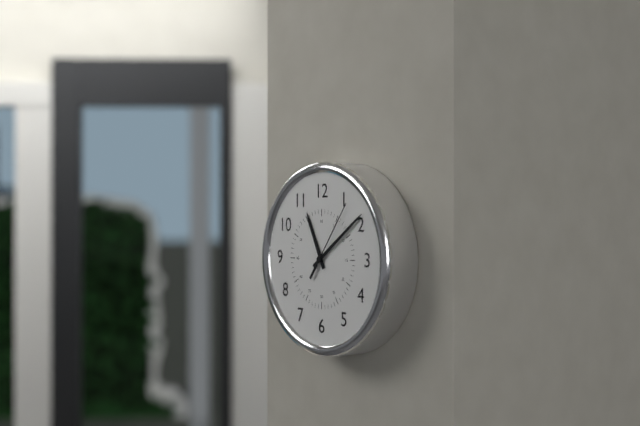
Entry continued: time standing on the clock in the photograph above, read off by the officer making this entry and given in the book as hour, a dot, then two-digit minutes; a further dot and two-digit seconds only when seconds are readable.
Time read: 11.09.06
